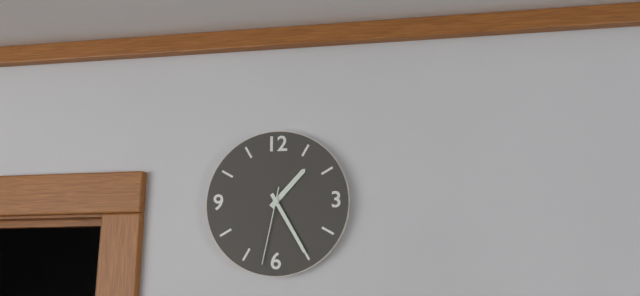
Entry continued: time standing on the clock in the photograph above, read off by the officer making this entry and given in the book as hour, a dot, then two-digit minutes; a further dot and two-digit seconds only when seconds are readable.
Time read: 1.25.32
